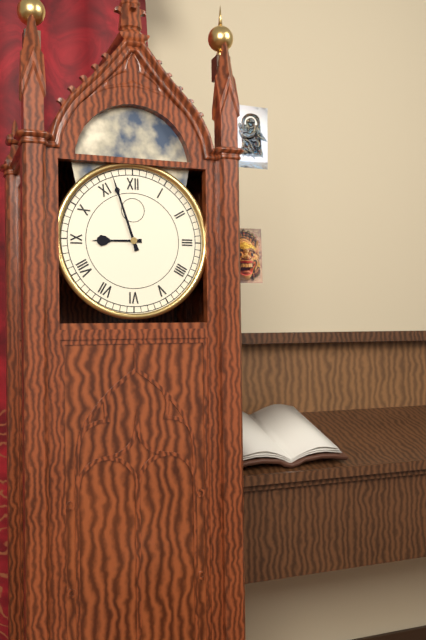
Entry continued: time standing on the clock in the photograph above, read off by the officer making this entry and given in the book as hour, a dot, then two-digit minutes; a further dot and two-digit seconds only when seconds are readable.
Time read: 8.57
